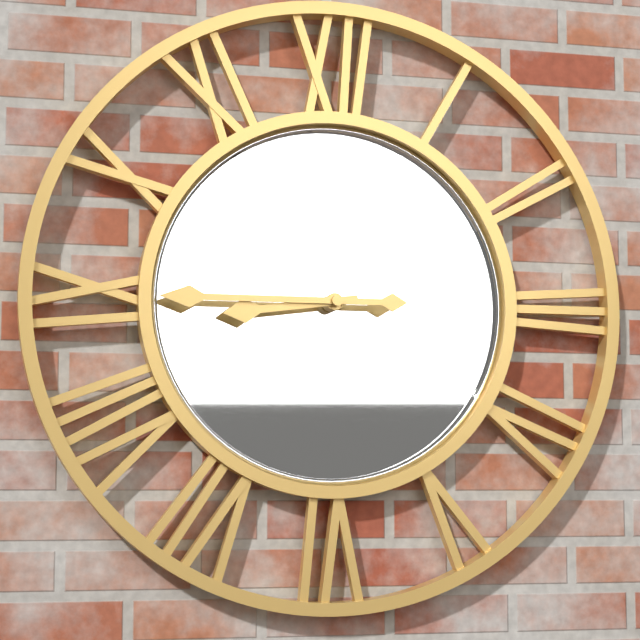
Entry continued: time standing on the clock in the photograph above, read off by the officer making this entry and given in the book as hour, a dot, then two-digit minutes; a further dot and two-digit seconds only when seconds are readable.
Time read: 8.45
